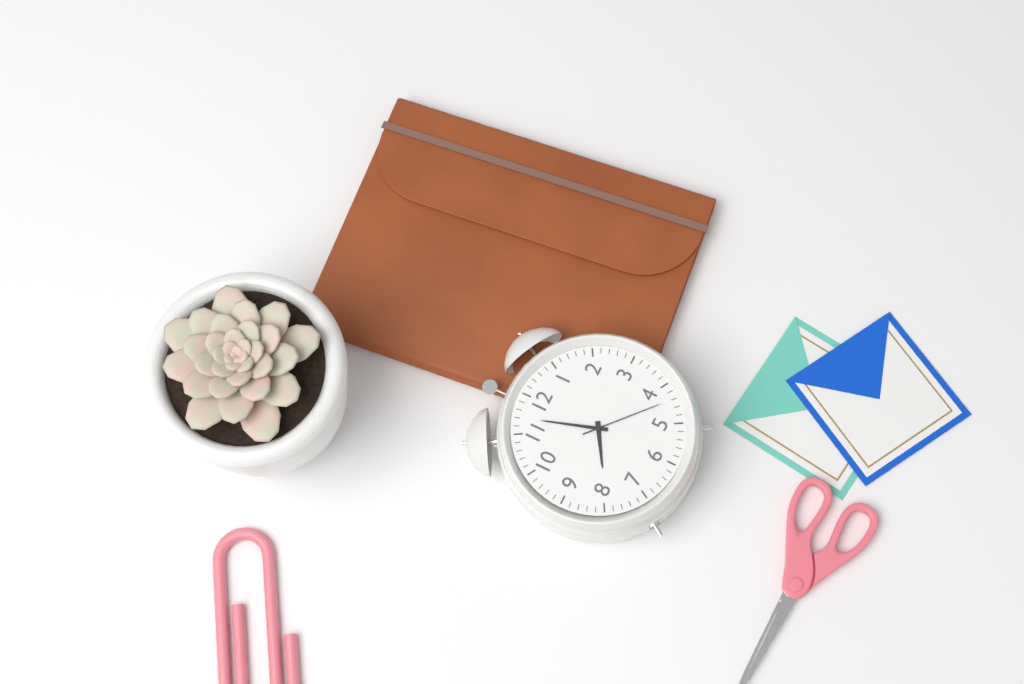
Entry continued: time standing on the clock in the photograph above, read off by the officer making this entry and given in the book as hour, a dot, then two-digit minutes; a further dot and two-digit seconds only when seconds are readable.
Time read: 7.57.22
